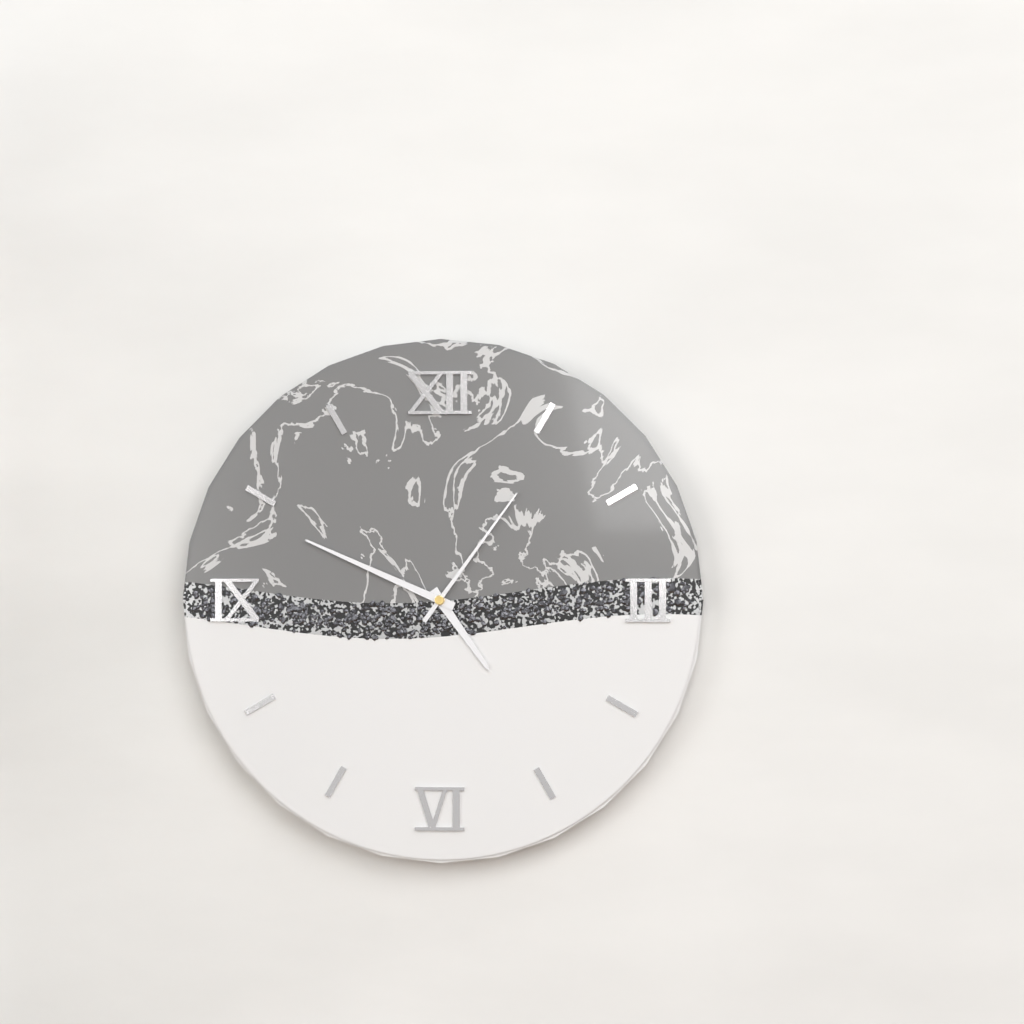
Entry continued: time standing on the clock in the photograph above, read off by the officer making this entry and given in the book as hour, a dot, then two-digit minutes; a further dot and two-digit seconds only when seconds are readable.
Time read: 4.49.06
